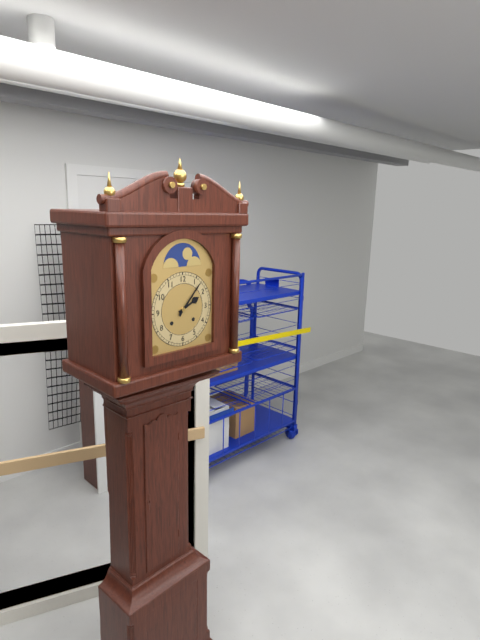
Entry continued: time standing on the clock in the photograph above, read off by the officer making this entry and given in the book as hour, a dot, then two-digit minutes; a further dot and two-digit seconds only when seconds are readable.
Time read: 2.07
